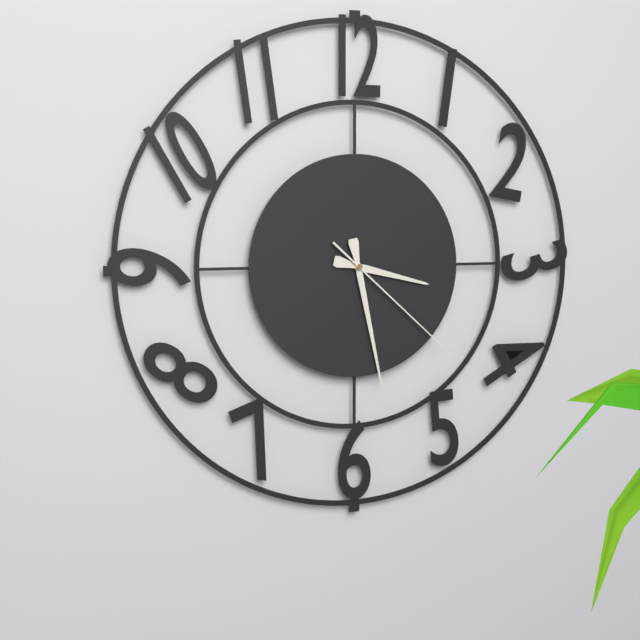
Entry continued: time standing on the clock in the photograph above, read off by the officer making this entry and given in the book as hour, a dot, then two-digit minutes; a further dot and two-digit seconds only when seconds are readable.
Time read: 3.28.22
